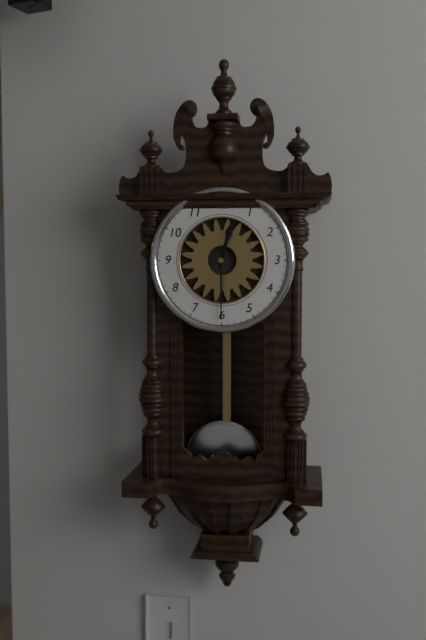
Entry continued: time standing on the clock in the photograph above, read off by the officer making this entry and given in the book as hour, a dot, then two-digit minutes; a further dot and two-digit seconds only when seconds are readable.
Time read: 12.30
